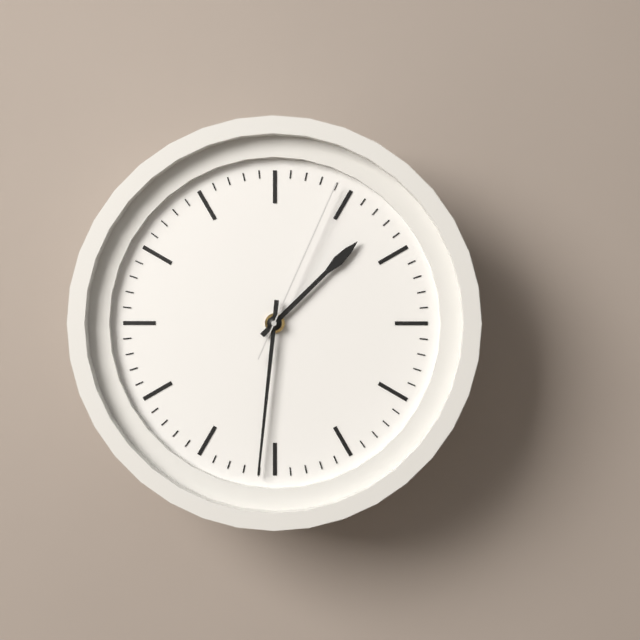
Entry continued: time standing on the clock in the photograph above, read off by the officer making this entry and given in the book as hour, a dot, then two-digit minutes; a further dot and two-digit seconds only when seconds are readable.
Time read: 1.31.04
